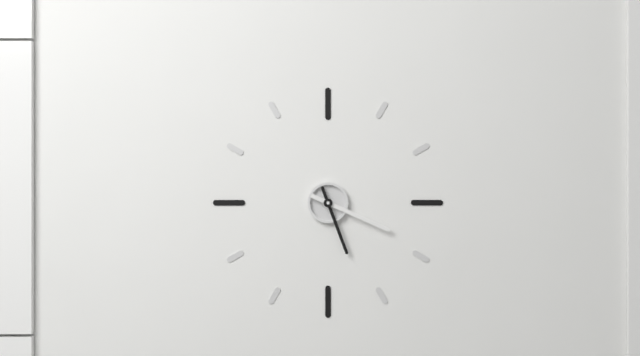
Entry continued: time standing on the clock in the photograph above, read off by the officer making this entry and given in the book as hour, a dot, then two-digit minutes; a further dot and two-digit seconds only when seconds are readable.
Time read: 5.19
